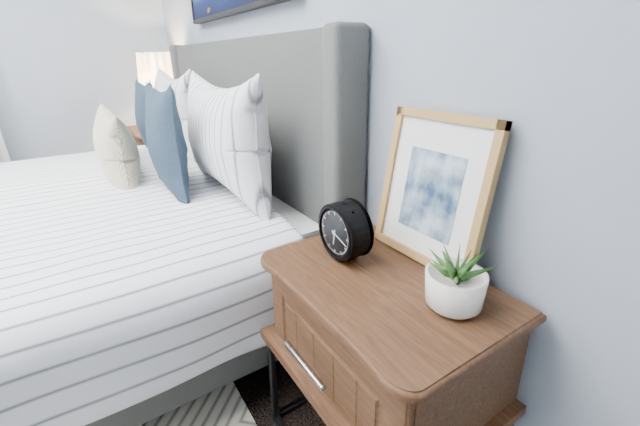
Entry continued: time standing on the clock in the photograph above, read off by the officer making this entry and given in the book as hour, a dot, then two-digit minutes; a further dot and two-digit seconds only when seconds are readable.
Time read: 6.18
